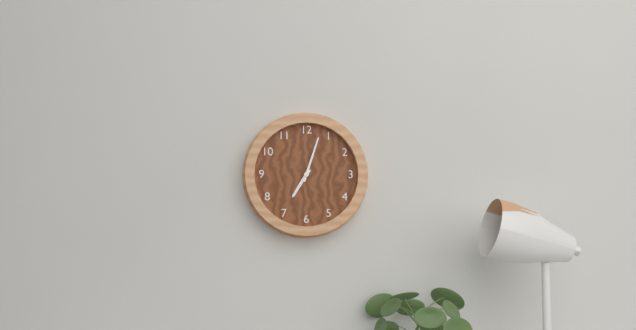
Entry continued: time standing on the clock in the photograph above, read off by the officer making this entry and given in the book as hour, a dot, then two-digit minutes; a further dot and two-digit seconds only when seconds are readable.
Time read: 7.03
